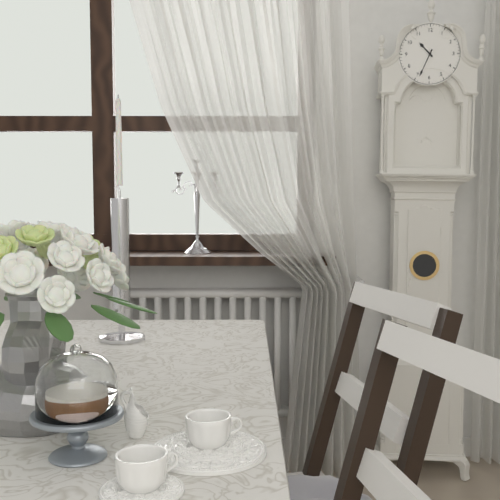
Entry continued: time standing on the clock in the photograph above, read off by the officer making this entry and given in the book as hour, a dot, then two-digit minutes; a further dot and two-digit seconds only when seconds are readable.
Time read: 10.34
